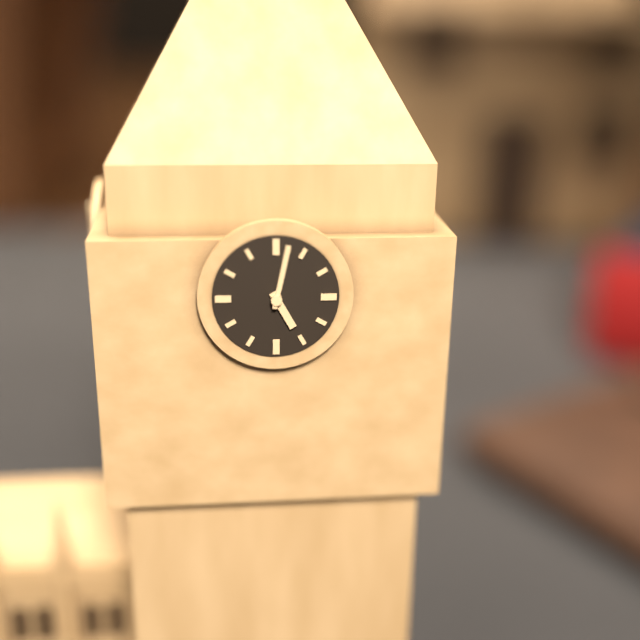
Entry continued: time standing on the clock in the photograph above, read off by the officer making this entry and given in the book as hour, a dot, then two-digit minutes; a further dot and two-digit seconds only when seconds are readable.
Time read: 5.02
